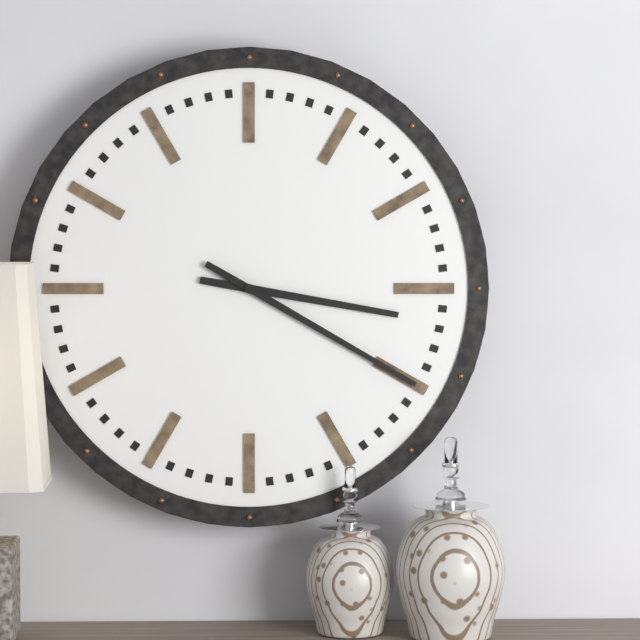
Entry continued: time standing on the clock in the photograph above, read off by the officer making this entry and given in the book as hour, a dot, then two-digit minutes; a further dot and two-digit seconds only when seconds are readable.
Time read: 3.20
